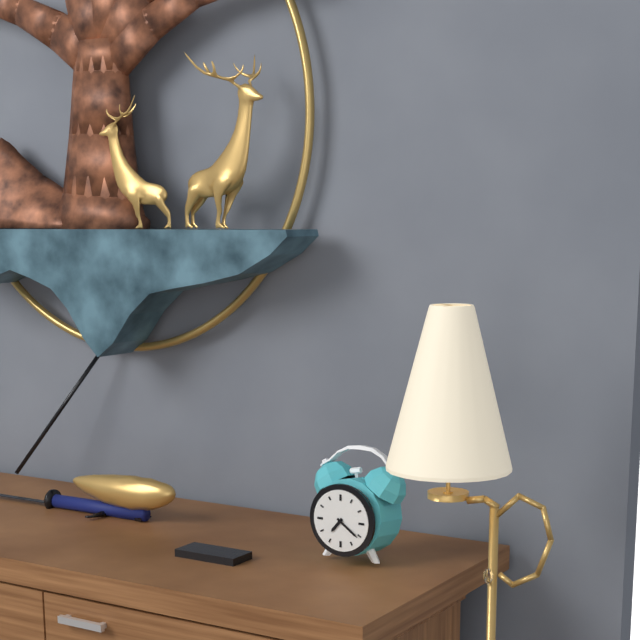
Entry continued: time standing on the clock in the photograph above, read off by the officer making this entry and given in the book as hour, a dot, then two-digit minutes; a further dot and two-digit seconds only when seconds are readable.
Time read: 7.21
